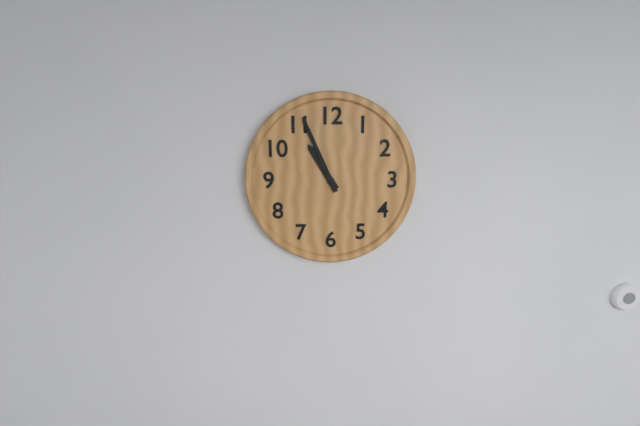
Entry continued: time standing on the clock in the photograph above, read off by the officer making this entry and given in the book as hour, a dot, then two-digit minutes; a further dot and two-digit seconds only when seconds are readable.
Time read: 10.56
